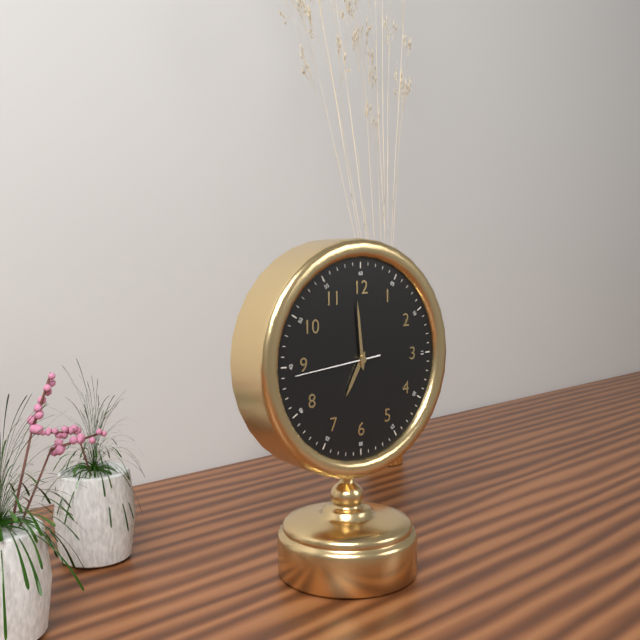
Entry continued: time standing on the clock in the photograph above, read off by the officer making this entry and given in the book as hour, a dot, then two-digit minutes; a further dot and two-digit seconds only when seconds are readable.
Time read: 6.59.44
